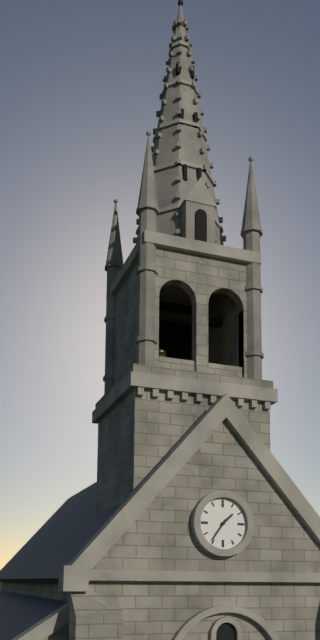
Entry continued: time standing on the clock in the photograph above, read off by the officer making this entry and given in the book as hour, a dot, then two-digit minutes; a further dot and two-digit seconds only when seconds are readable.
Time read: 1.36
